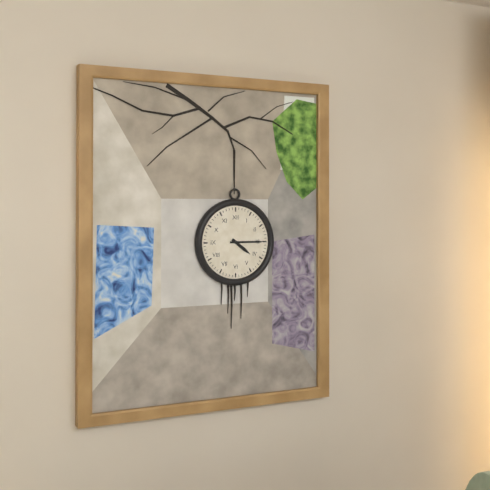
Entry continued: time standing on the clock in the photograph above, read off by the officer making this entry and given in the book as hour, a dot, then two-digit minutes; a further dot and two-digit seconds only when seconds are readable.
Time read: 4.15
